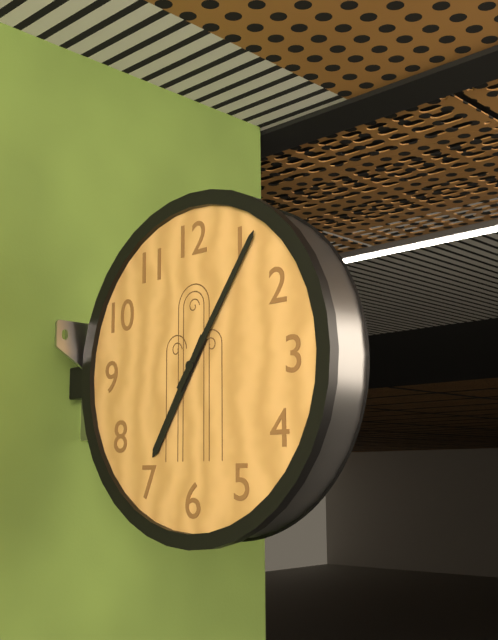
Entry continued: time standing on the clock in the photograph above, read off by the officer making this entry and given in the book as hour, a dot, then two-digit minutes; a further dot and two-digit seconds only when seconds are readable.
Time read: 7.06
